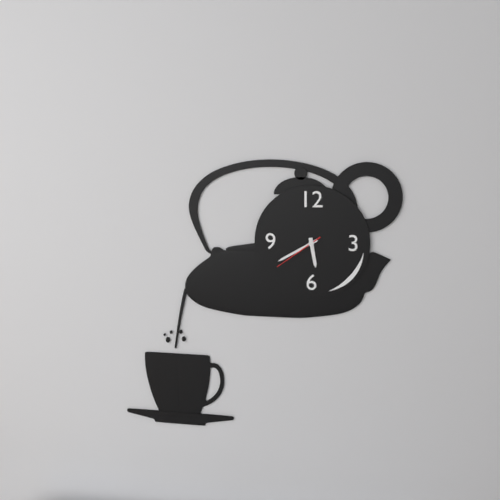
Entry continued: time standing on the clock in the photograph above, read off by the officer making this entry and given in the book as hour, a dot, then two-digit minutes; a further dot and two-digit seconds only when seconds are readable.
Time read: 5.40.39
